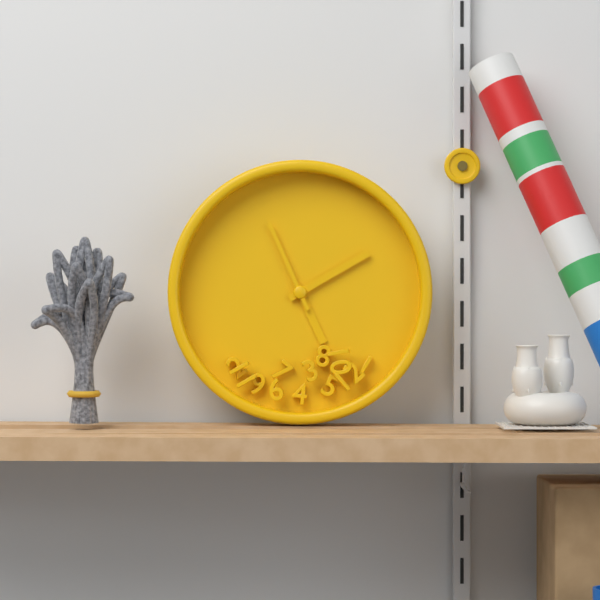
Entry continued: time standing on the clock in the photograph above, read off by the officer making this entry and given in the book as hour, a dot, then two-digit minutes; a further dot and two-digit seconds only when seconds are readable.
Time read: 5.10.56
